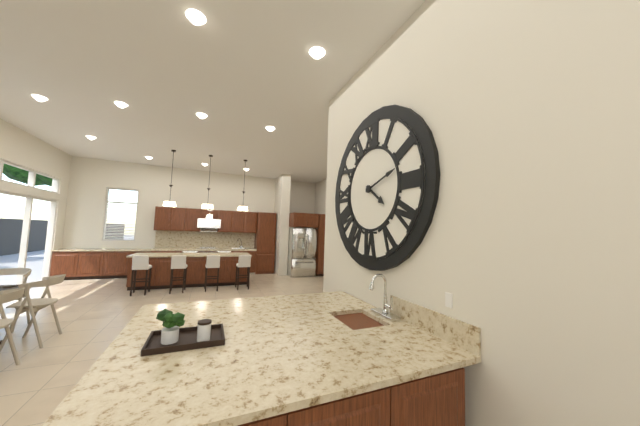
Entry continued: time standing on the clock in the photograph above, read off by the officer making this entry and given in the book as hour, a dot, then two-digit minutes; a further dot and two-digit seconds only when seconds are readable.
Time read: 4.12
